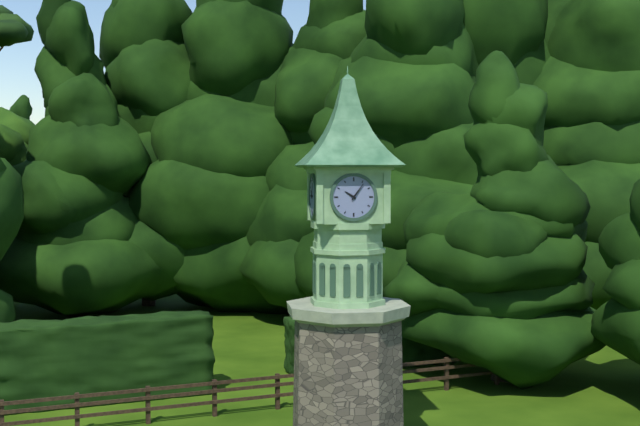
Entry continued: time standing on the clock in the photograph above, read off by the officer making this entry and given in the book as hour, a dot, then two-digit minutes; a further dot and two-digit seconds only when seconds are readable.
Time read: 10.06
